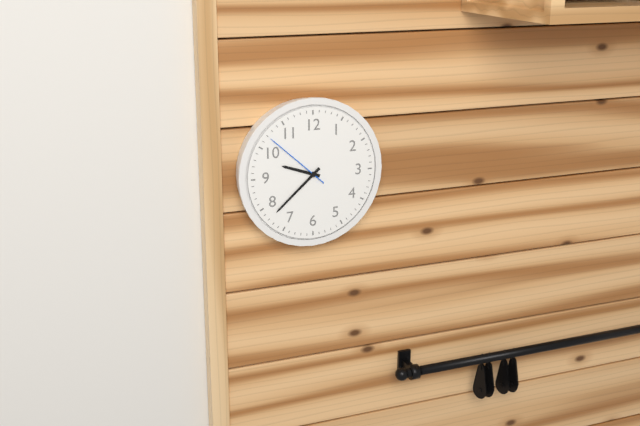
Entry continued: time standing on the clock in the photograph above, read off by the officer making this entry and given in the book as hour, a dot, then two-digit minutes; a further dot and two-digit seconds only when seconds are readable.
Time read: 9.38.52
